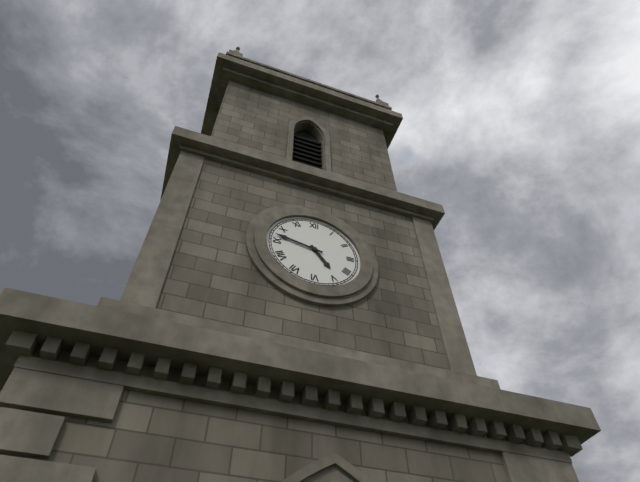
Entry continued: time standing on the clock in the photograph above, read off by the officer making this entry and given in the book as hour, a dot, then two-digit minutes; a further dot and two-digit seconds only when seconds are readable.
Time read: 4.47
